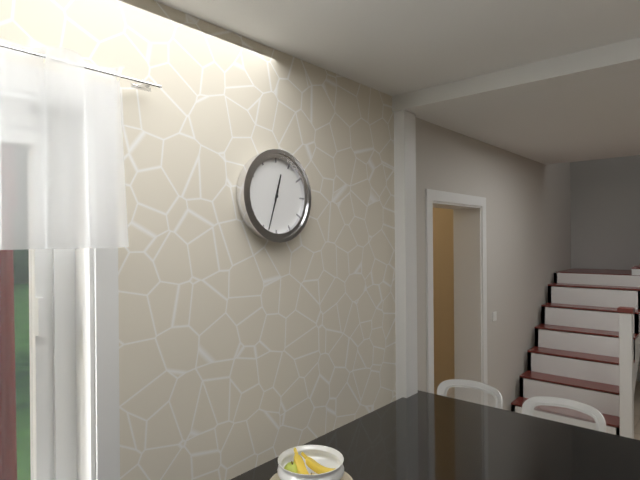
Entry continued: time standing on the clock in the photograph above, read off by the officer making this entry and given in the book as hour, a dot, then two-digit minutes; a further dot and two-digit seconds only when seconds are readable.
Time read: 12.33
